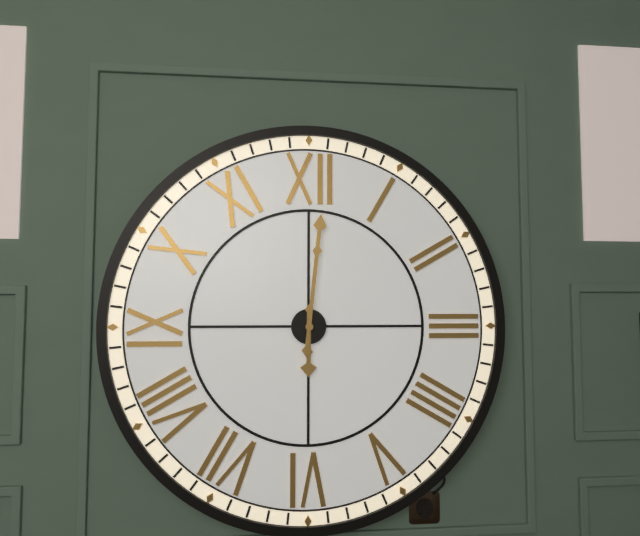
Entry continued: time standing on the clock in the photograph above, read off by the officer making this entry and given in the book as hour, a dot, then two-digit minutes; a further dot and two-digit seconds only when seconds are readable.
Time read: 6.01
